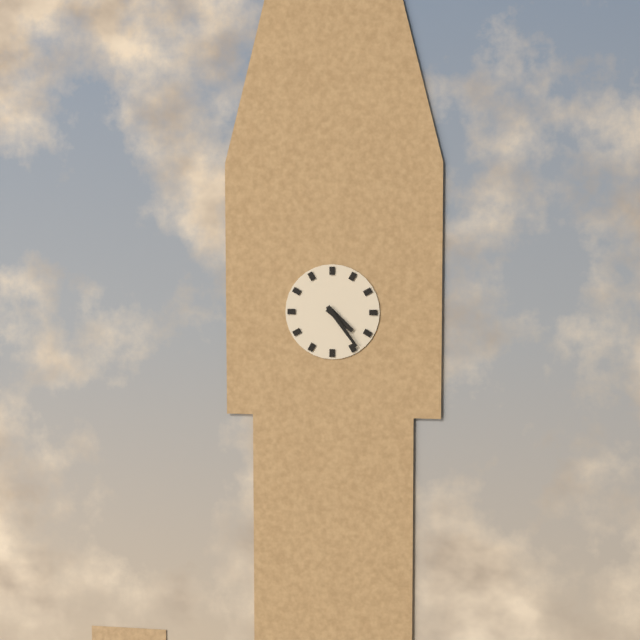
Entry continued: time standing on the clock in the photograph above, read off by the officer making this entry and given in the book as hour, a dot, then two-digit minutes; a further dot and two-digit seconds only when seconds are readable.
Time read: 4.24
